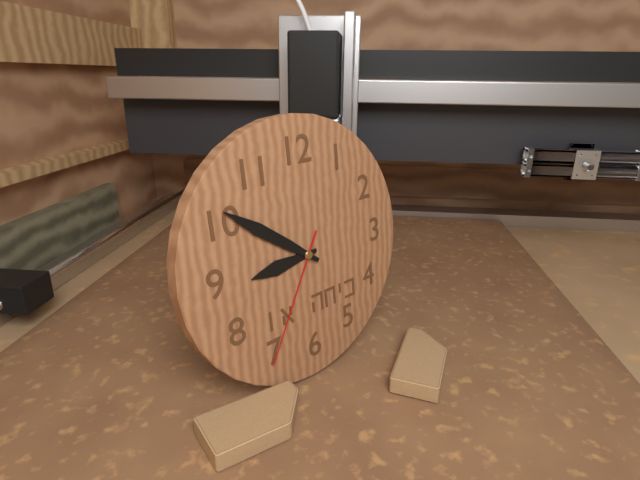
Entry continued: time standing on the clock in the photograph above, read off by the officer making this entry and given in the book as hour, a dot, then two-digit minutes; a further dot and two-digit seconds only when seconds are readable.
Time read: 8.51.35
